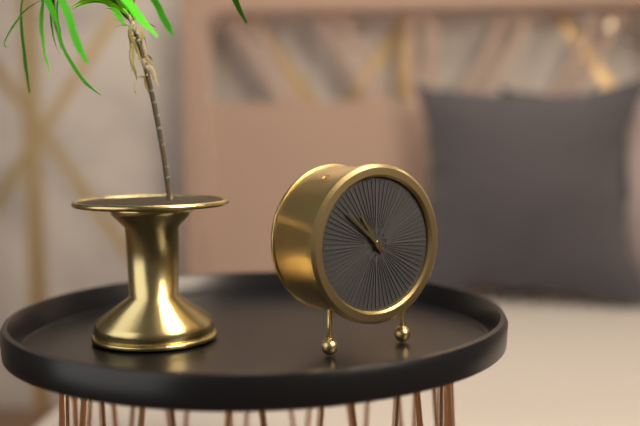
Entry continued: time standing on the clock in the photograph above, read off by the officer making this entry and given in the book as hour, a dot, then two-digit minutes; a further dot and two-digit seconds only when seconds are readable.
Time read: 10.52
